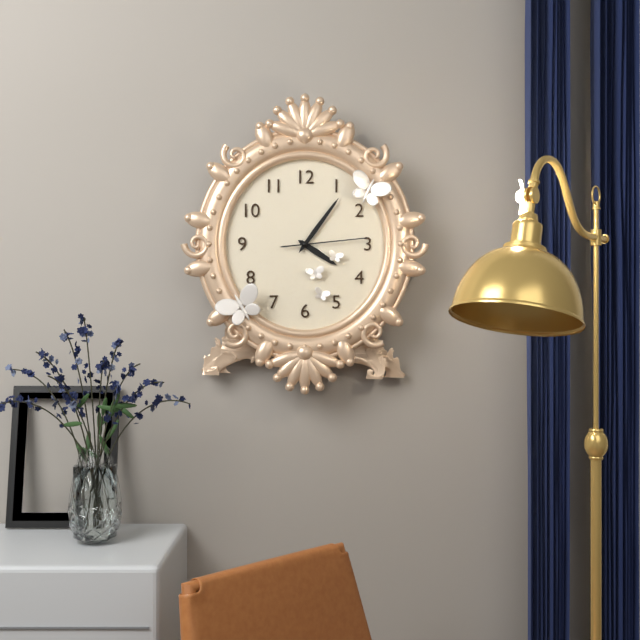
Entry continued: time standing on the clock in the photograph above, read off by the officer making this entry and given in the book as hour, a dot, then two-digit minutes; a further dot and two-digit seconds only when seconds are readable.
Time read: 4.06.14
